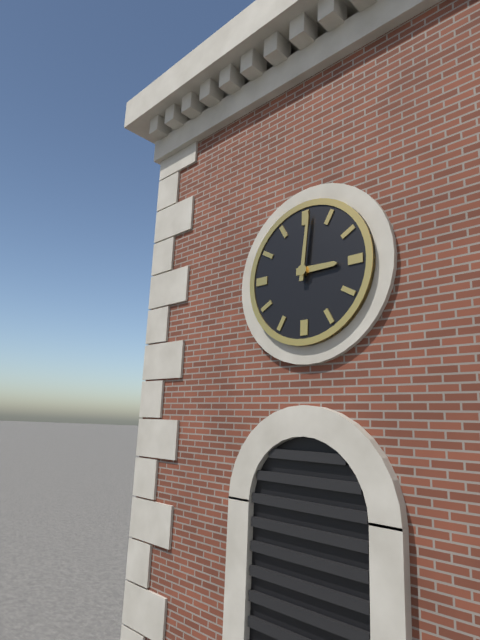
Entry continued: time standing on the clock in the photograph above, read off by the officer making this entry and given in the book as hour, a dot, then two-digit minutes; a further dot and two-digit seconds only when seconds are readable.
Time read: 3.01
